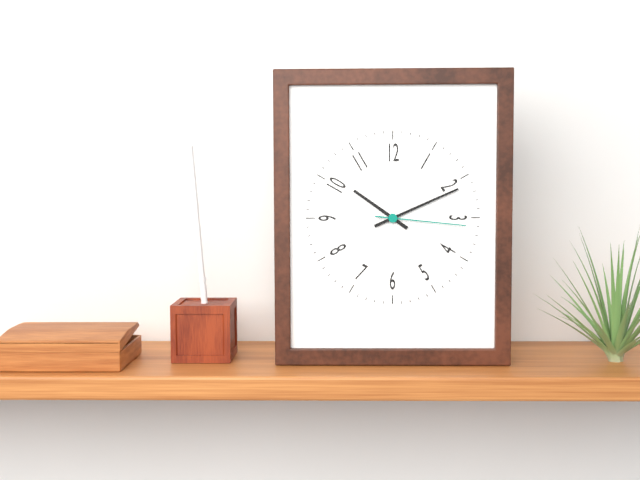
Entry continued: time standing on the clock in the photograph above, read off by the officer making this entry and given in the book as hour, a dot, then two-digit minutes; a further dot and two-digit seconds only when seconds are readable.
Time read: 10.11.16
